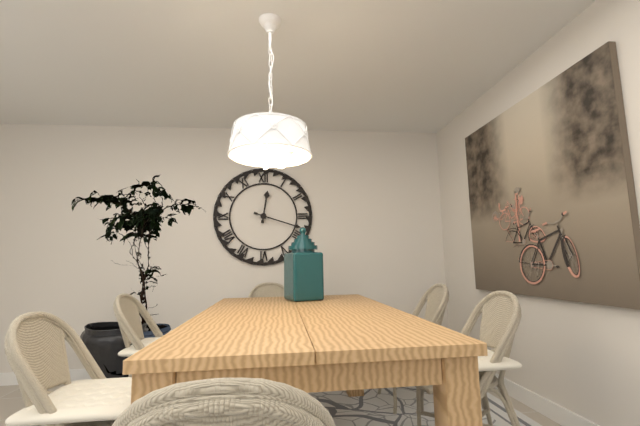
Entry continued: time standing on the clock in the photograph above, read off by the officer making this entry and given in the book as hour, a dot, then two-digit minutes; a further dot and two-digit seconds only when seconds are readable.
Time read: 12.18
